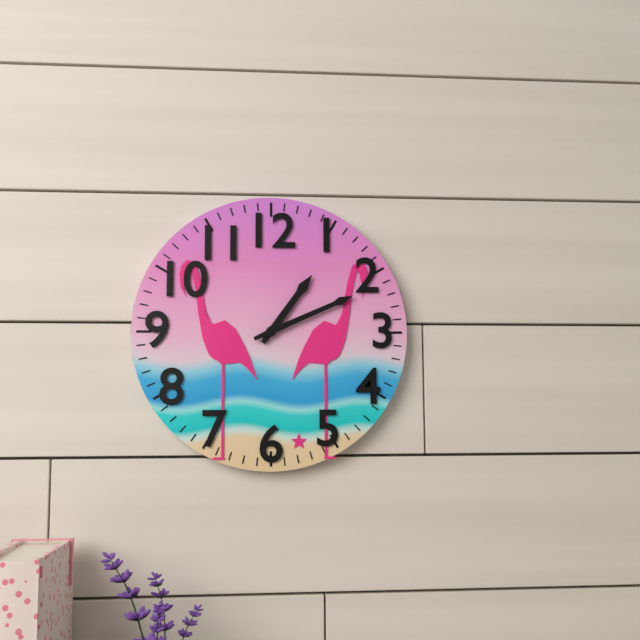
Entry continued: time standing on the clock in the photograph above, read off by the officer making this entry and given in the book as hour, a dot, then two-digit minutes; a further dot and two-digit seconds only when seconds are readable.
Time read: 1.11
